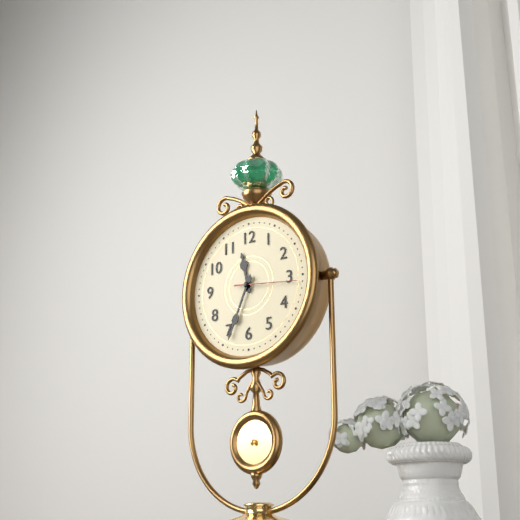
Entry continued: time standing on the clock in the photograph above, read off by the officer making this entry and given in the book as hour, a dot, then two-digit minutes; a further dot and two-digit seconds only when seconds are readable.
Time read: 11.34.16
